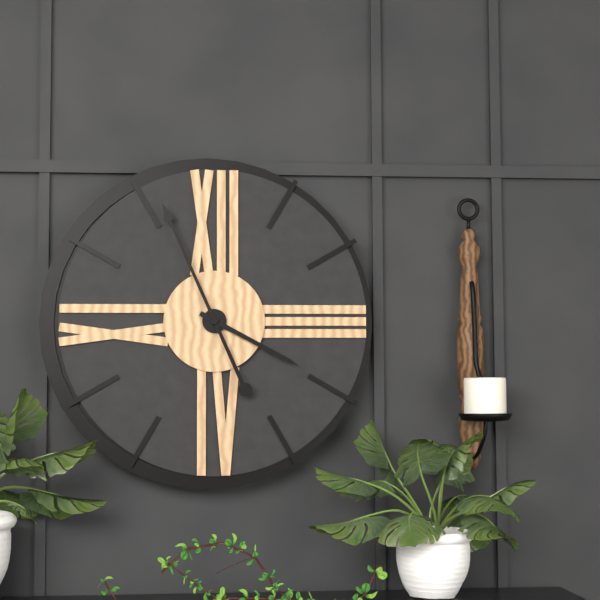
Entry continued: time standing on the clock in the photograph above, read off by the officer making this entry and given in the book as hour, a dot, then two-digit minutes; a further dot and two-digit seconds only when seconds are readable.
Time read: 3.56
